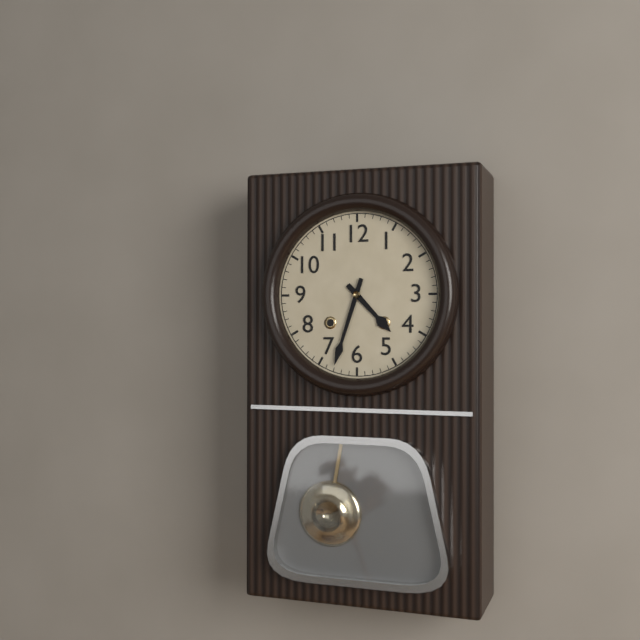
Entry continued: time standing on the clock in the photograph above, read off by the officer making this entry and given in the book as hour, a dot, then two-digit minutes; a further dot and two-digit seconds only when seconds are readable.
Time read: 4.33
